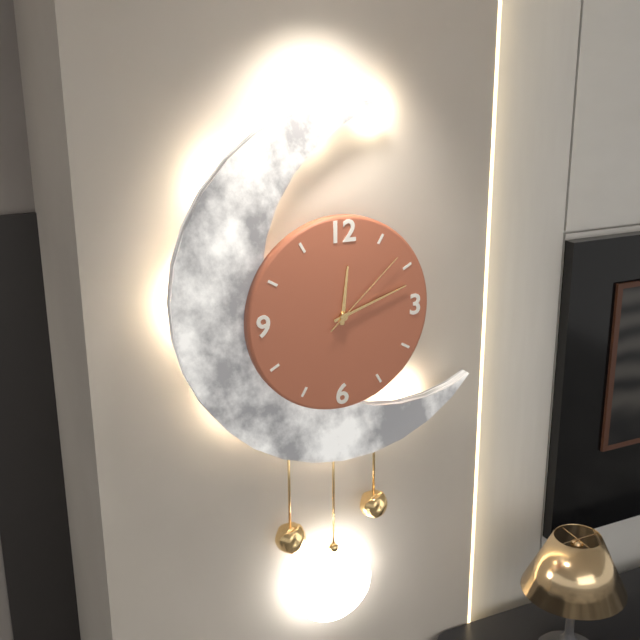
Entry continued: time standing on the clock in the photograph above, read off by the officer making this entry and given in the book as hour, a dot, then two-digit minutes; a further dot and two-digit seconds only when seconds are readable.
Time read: 12.12.08
